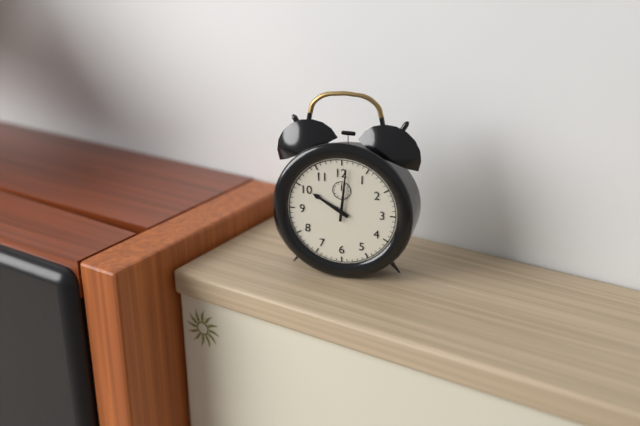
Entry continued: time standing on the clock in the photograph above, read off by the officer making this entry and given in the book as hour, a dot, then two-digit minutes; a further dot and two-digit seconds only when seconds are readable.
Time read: 10.01
